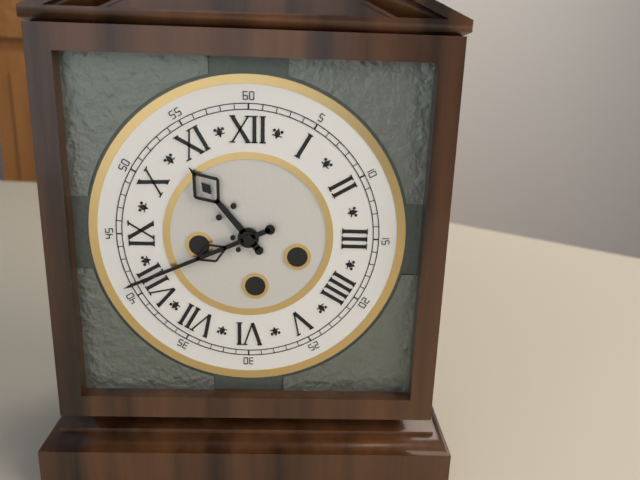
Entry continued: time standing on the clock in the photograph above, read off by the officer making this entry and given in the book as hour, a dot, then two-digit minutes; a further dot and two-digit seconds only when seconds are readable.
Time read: 10.41
